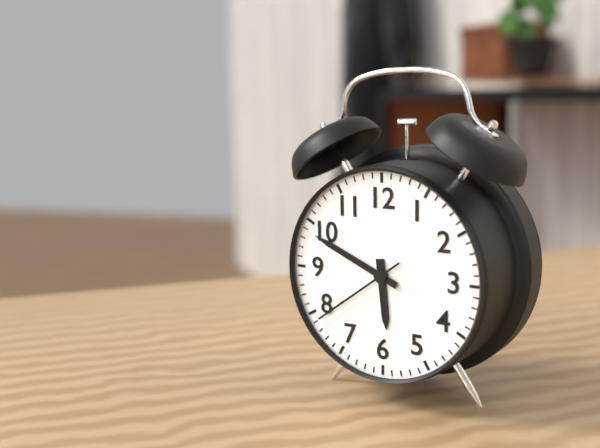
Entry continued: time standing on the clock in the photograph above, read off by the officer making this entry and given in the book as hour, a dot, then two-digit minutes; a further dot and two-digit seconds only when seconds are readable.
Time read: 5.49.39
